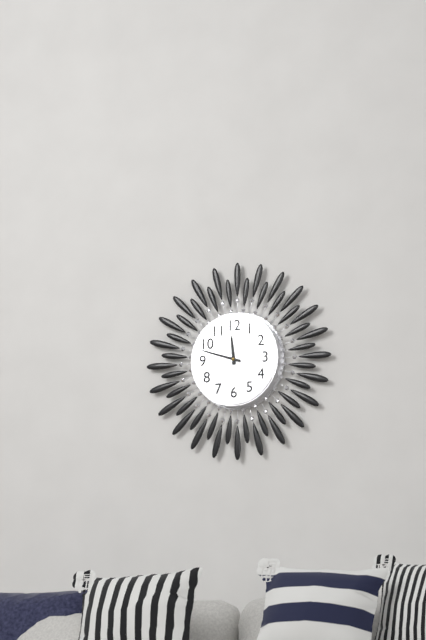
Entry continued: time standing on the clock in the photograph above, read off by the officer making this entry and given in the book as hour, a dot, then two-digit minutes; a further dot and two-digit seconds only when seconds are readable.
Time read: 11.48
